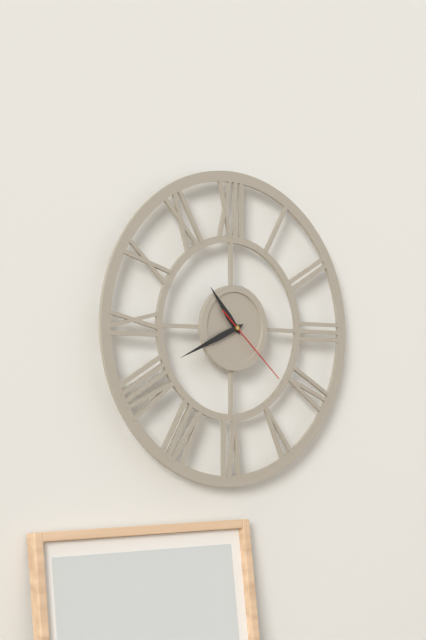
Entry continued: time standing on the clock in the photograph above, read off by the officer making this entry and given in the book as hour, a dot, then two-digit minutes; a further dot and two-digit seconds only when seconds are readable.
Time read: 10.41.22
